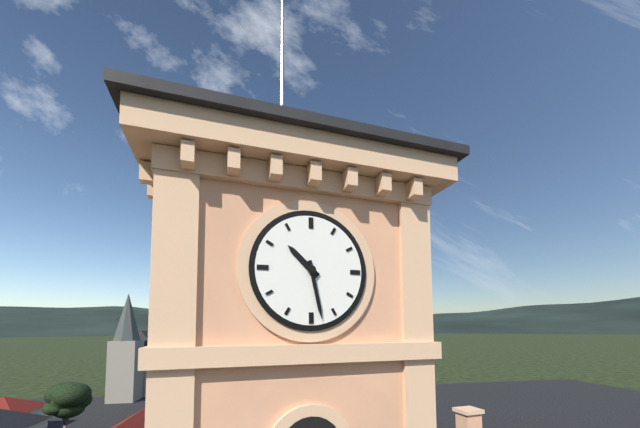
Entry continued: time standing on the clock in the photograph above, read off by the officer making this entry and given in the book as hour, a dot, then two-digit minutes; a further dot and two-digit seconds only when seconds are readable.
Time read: 10.28
